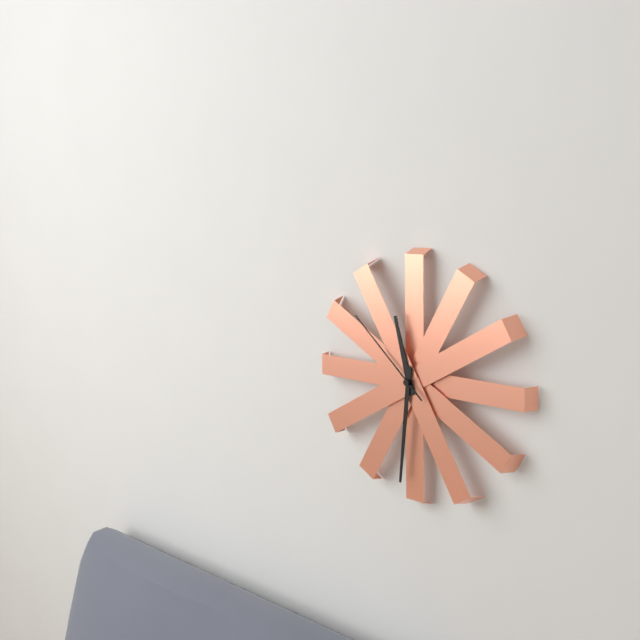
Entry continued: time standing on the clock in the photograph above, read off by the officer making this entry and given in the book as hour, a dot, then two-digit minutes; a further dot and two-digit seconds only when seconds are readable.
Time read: 11.31.52
